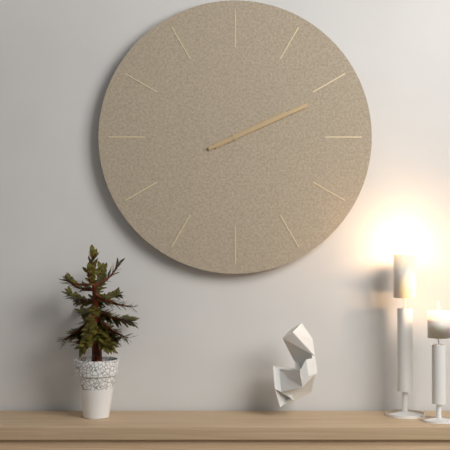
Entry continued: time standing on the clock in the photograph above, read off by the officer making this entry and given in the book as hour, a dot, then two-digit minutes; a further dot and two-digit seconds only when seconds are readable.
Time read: 2.11
